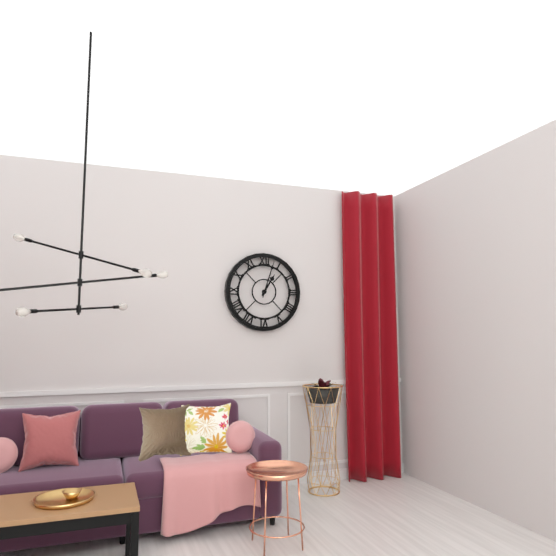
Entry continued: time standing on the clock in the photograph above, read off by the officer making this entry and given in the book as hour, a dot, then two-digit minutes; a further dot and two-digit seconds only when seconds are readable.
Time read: 1.03
